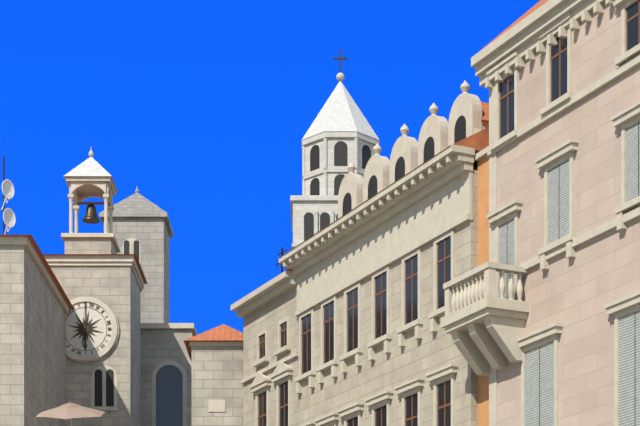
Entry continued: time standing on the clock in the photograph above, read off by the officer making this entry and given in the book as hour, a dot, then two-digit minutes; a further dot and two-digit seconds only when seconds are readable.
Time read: 6.00
